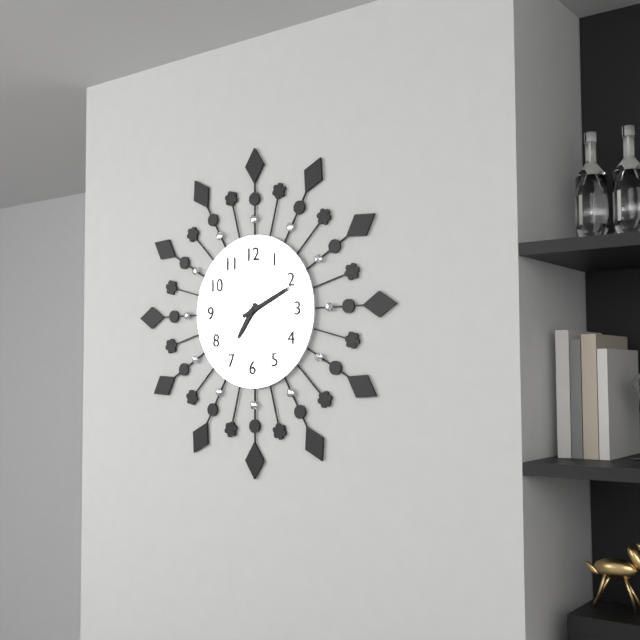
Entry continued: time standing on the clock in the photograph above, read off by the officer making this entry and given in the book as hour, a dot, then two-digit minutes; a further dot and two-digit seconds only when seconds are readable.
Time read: 7.11
